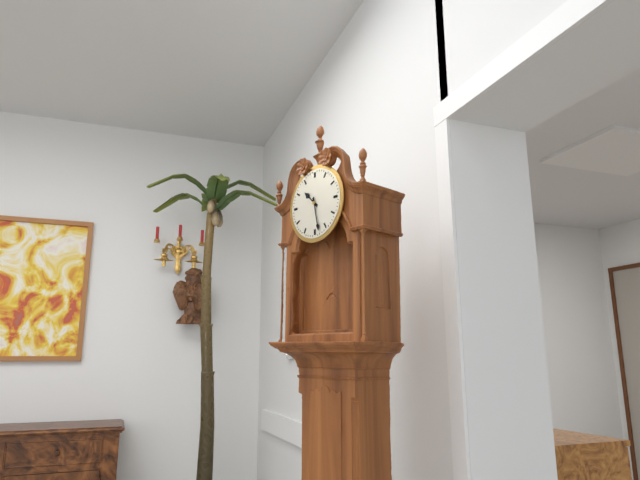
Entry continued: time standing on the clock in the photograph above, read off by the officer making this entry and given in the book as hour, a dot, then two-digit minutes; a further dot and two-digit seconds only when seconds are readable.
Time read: 10.28
